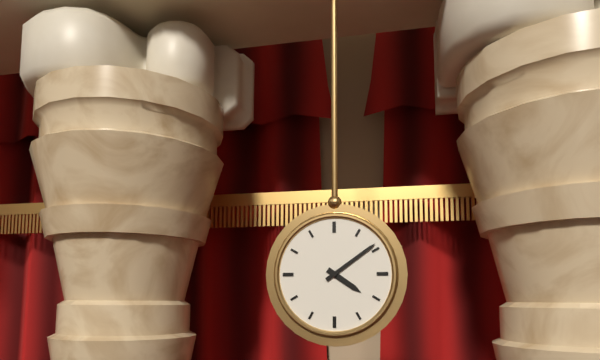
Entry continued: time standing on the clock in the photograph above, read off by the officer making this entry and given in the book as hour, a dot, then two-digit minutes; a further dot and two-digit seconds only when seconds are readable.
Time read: 4.09
